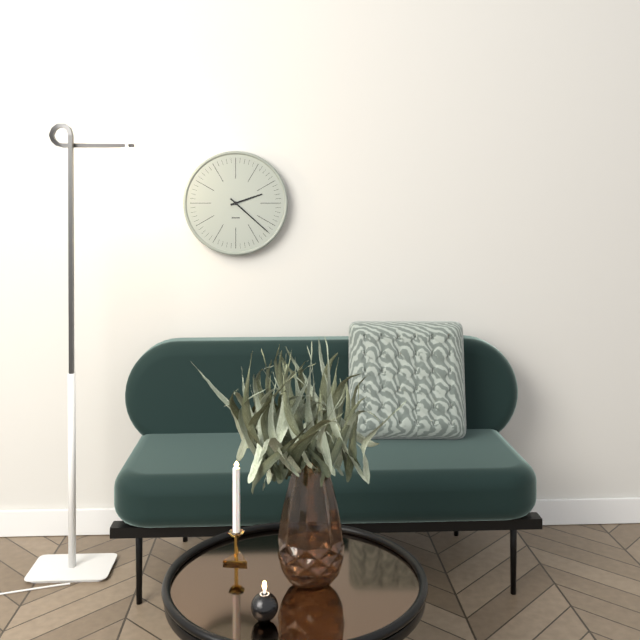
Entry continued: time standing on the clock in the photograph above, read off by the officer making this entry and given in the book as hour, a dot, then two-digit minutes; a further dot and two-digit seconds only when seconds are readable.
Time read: 2.22
